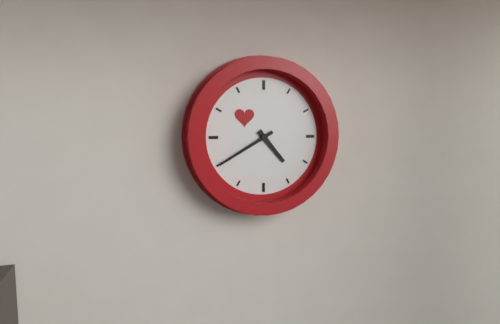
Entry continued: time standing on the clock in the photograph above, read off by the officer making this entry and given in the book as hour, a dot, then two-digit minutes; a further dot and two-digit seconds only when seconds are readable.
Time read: 4.40
